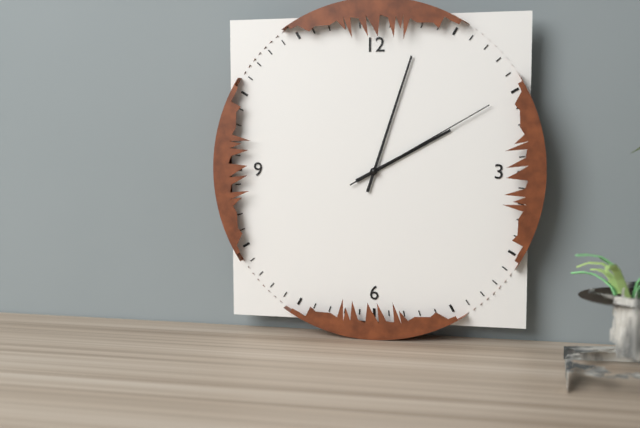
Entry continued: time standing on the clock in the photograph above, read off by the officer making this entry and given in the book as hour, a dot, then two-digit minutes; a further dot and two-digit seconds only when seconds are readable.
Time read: 2.03.10
